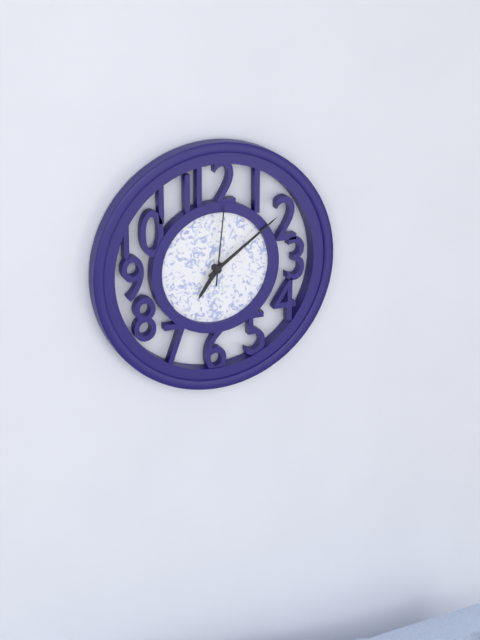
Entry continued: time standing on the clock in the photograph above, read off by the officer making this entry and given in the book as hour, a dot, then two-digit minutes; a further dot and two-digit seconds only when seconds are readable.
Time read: 7.09.01
